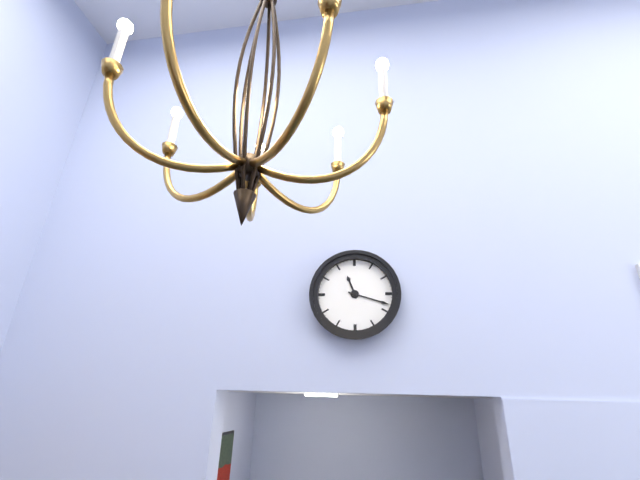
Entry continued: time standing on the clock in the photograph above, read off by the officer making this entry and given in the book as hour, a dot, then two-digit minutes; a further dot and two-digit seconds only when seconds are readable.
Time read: 11.18
